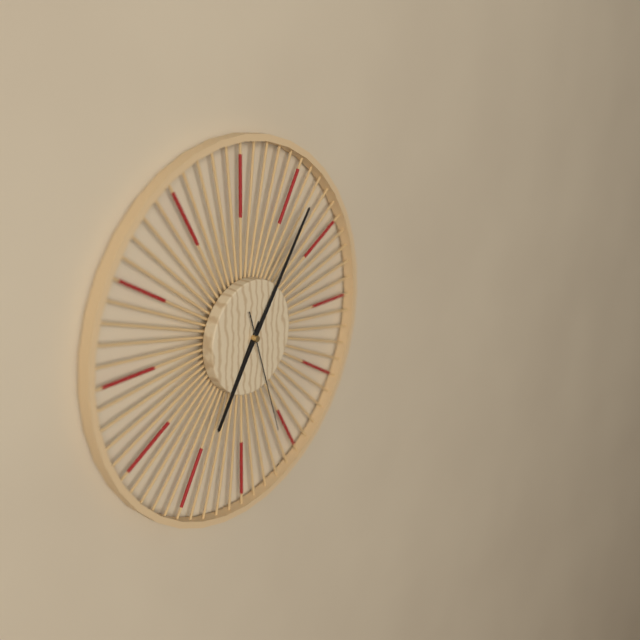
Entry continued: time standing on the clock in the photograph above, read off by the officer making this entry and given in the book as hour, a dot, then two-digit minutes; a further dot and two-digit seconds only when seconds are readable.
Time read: 7.06.27
